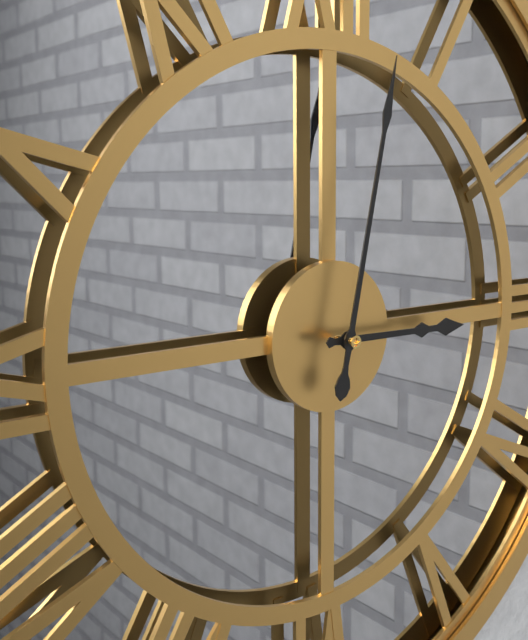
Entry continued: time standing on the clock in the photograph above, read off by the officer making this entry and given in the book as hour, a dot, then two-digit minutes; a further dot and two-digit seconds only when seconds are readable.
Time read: 3.02
